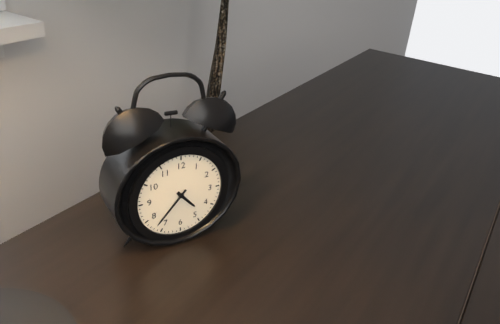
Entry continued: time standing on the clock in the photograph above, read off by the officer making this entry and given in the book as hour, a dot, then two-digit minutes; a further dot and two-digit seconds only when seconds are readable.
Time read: 4.37
